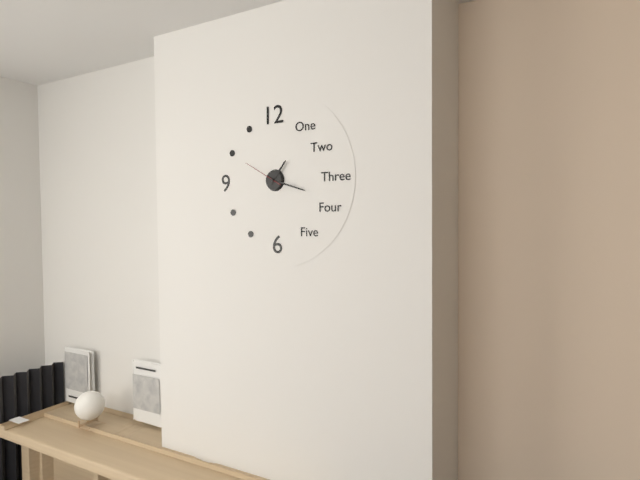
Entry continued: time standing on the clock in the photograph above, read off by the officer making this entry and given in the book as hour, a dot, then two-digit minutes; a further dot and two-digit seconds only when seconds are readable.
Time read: 1.18
